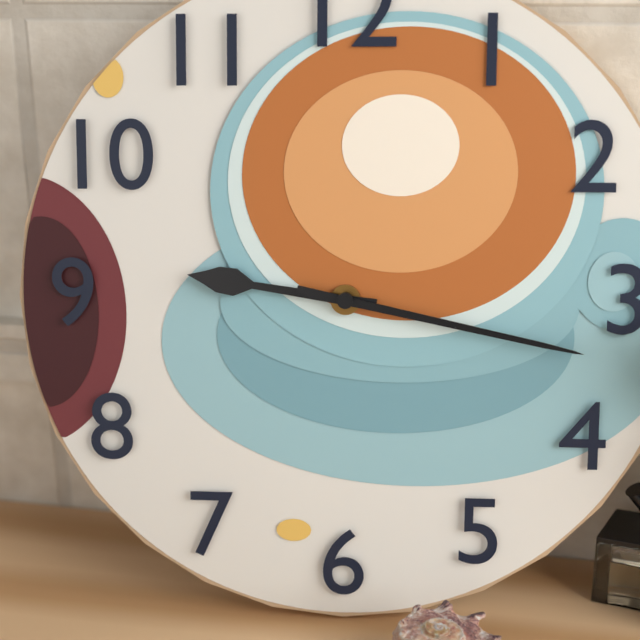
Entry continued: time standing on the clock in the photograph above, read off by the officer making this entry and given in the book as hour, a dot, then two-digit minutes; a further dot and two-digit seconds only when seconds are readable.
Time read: 9.17
